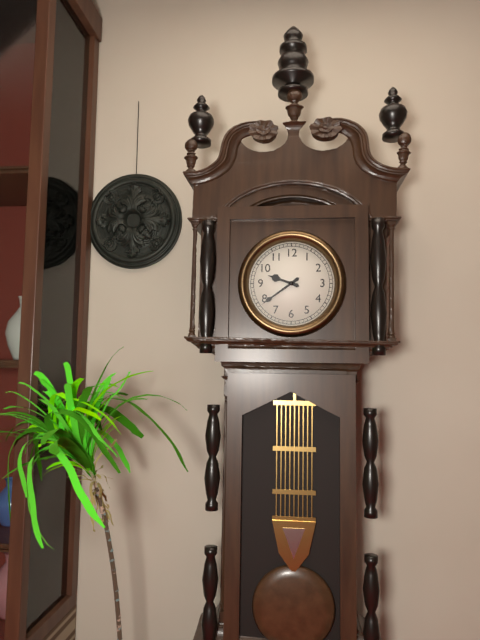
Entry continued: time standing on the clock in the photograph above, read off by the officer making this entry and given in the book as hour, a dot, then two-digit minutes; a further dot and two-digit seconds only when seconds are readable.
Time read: 9.39
